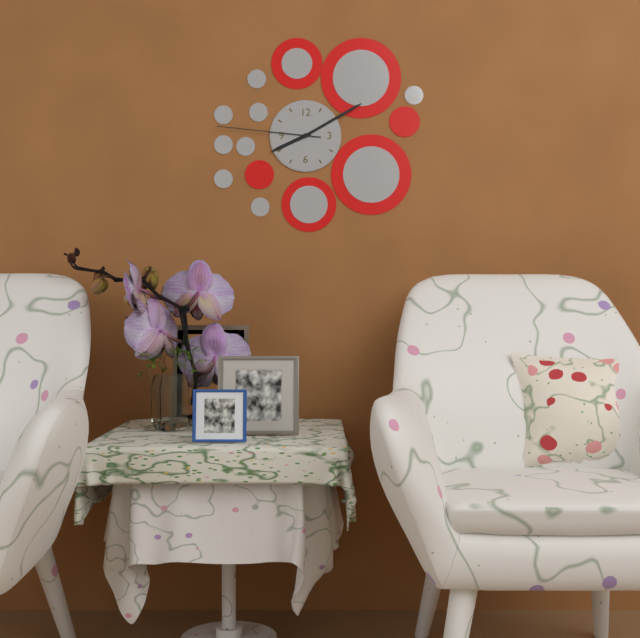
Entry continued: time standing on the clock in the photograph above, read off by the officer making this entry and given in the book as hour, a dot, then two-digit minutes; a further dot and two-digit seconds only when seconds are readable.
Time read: 8.10.46
